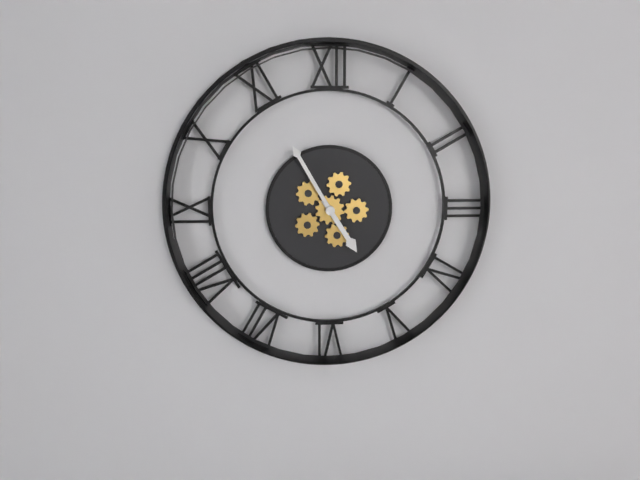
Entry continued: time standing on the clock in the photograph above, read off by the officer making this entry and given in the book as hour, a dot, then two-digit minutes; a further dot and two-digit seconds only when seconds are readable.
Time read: 4.55
